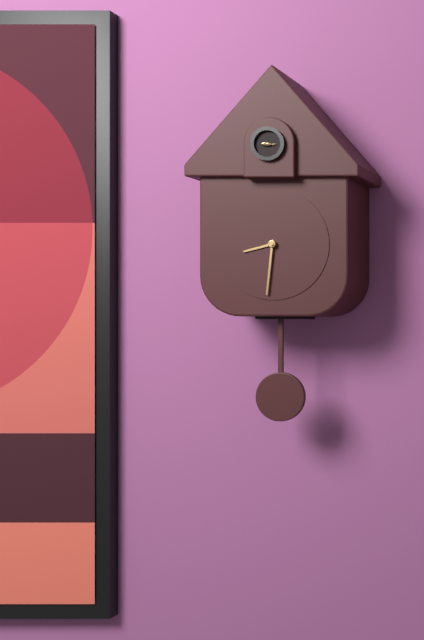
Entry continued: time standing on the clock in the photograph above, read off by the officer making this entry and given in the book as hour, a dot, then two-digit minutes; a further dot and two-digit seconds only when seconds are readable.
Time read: 8.31
